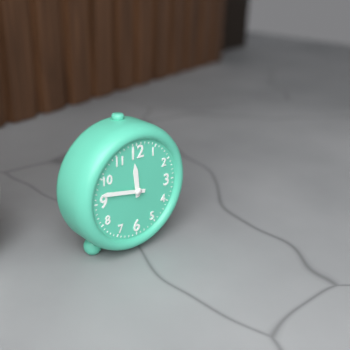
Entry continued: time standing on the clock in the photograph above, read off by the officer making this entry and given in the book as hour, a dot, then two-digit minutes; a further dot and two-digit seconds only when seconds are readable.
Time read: 11.47
